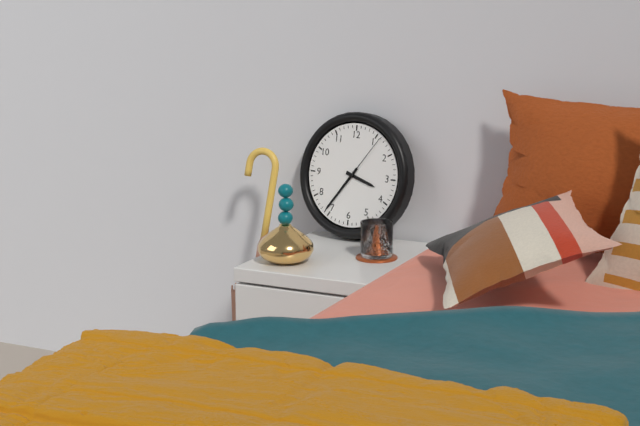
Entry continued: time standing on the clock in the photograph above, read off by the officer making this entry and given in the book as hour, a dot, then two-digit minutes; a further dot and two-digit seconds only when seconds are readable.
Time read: 3.36.06
